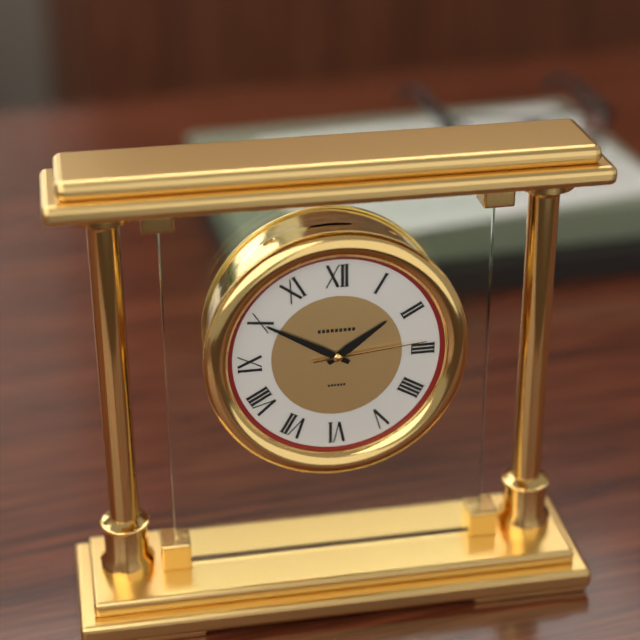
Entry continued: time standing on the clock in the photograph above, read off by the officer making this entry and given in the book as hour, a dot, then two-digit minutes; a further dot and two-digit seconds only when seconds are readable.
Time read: 1.50.14
